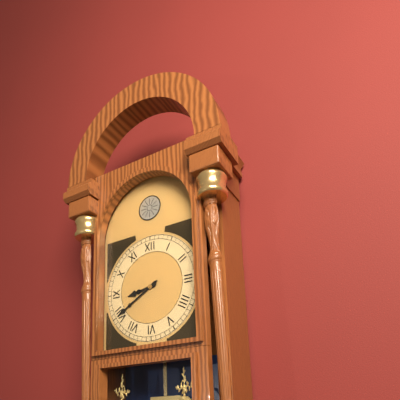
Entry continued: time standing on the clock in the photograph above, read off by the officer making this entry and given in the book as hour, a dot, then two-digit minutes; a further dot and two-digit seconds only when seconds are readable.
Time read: 8.40
